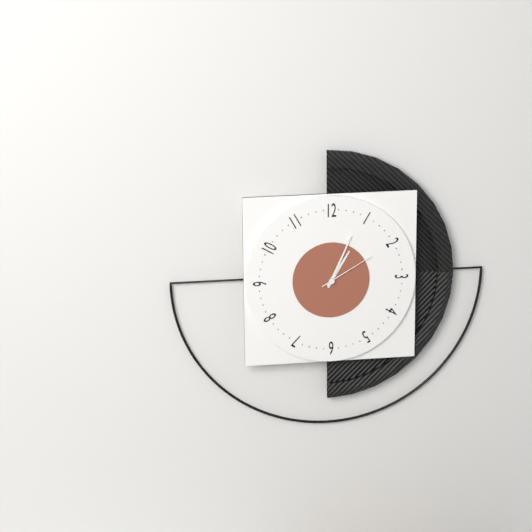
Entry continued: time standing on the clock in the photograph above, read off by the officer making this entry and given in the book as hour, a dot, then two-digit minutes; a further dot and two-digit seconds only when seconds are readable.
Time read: 1.04.10
